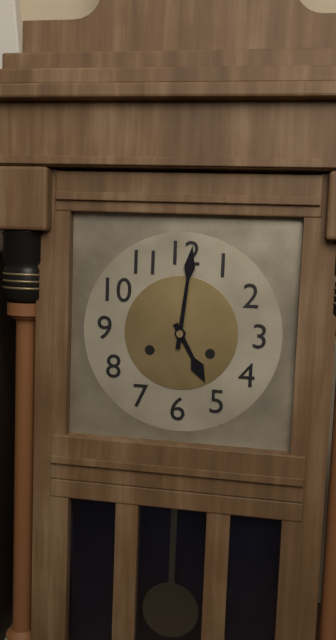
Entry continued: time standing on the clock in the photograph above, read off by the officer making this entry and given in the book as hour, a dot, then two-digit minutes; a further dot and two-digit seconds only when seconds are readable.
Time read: 5.01
